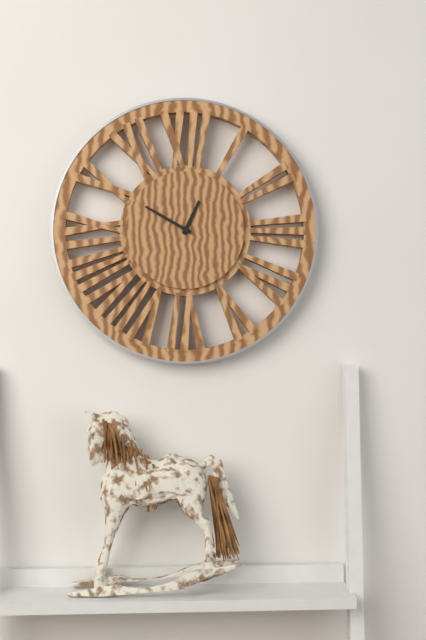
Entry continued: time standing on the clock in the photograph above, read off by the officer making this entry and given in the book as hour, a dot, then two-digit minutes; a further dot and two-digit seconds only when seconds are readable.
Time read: 12.50
